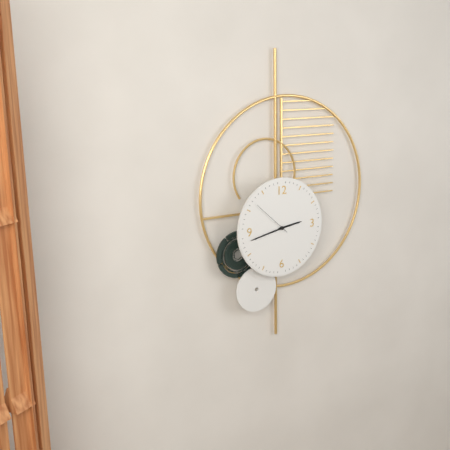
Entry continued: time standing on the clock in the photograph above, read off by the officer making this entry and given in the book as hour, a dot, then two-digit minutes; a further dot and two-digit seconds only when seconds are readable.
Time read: 2.43
